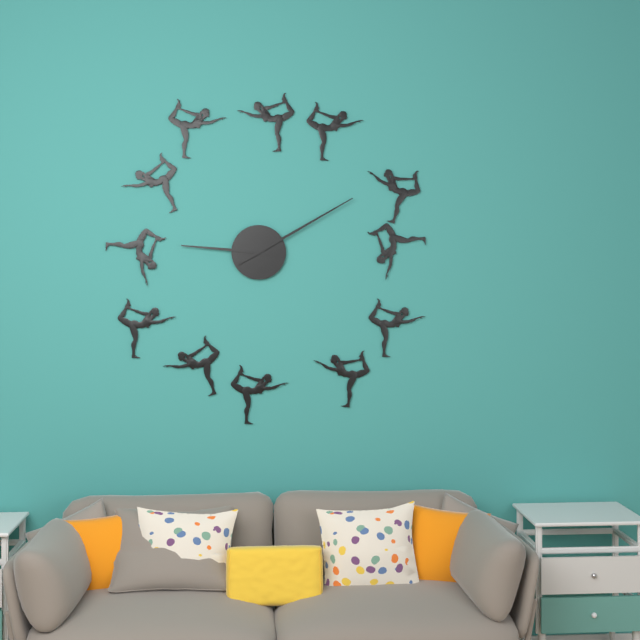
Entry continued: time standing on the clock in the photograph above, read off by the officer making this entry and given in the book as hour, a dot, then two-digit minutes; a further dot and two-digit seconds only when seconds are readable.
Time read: 9.10
